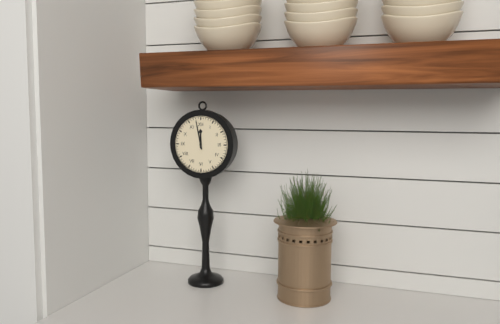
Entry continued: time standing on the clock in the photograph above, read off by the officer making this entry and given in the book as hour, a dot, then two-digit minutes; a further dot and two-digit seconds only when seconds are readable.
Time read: 11.58
